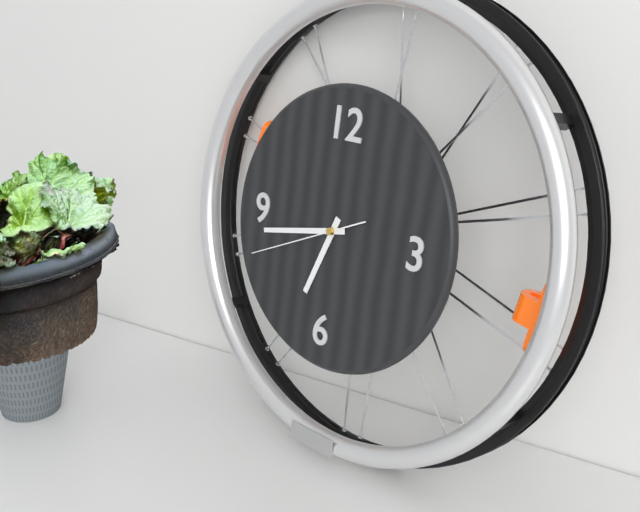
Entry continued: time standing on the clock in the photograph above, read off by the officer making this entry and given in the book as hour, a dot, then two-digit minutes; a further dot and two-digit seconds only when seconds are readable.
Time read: 6.43.41
